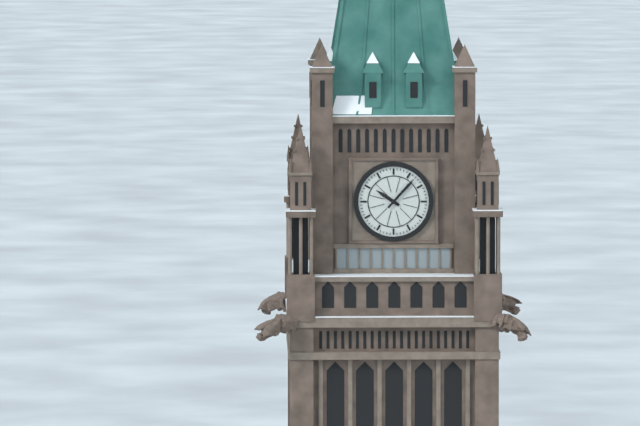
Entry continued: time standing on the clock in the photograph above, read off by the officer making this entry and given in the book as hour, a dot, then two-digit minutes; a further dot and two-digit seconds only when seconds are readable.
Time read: 10.07
